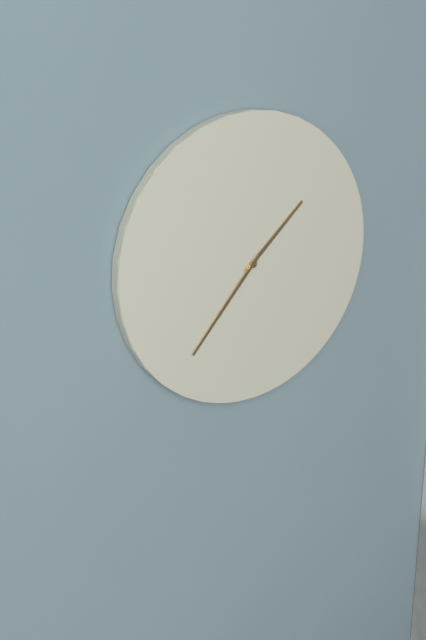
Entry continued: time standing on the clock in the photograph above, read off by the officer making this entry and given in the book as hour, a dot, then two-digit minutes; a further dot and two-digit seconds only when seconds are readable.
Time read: 1.37
